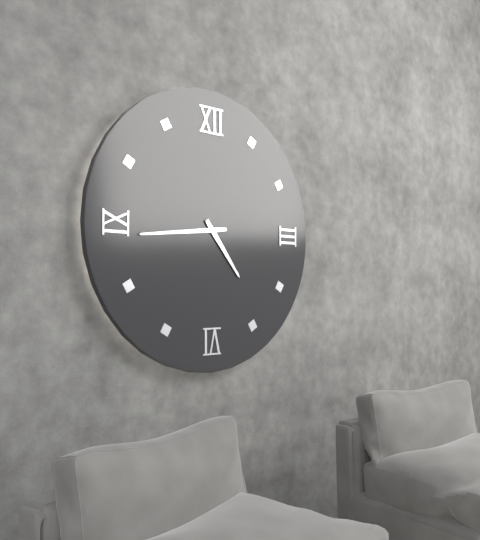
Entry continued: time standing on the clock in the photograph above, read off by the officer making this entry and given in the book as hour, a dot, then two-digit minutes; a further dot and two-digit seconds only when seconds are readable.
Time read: 4.44
